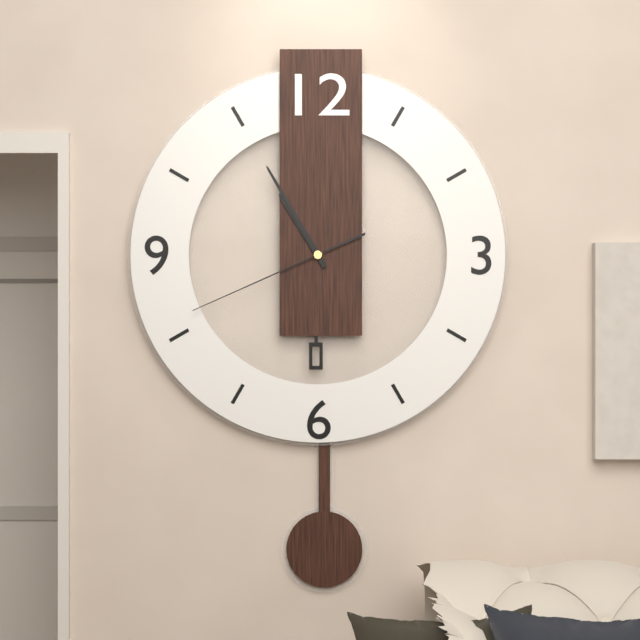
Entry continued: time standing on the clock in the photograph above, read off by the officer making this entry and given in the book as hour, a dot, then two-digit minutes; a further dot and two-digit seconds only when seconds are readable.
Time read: 10.55.41
